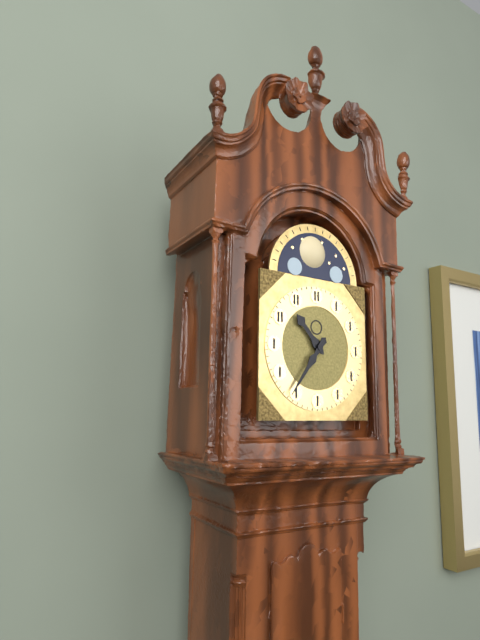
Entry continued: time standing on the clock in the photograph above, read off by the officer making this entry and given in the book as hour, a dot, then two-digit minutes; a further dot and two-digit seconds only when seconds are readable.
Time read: 10.36
